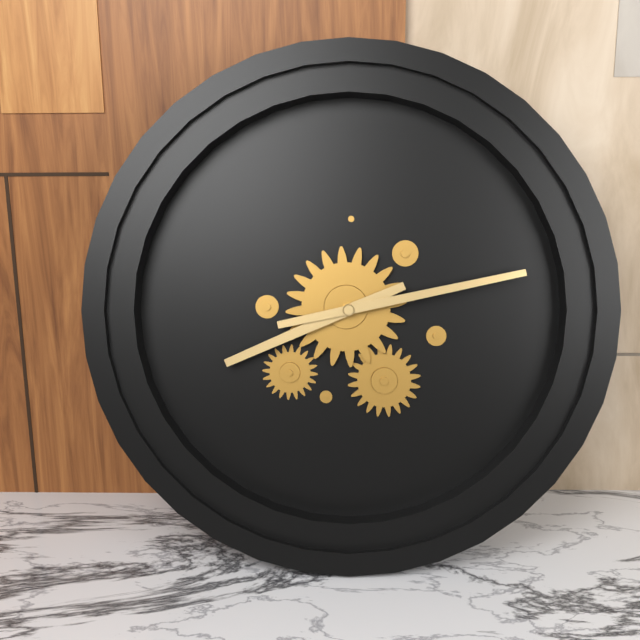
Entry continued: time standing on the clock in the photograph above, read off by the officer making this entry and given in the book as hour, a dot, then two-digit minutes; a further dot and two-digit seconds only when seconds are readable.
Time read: 8.13
